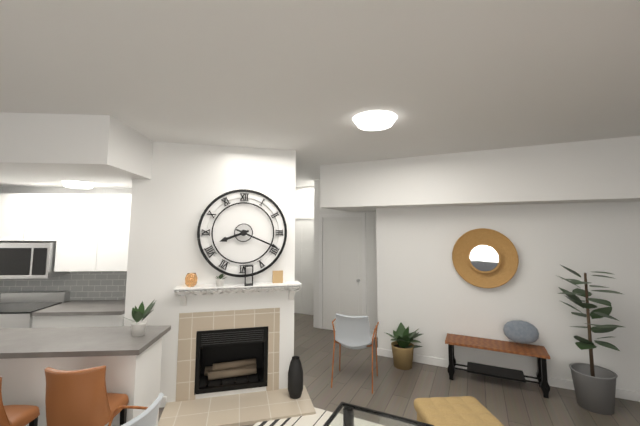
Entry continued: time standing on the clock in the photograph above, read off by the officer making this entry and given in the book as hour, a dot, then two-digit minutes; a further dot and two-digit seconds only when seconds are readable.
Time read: 8.19
